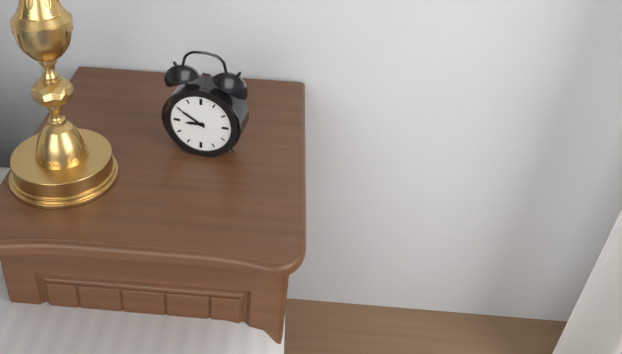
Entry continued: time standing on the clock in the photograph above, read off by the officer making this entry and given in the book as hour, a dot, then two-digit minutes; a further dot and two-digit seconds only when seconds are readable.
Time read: 8.50
